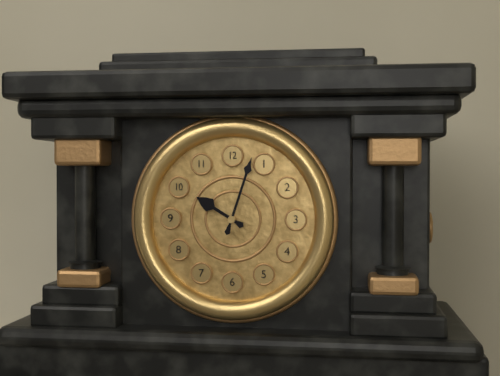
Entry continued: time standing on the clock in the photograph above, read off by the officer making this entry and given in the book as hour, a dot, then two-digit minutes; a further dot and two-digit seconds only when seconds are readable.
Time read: 10.03
